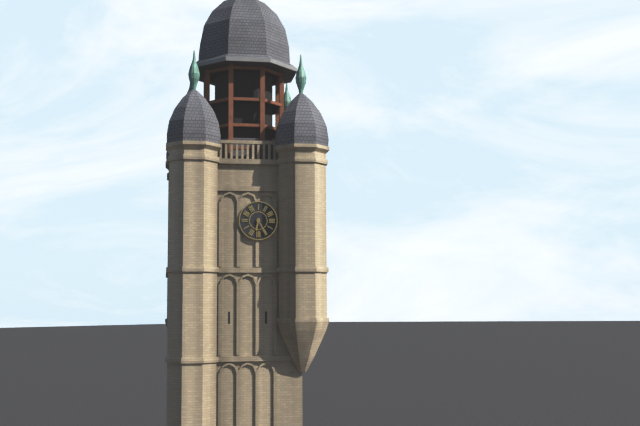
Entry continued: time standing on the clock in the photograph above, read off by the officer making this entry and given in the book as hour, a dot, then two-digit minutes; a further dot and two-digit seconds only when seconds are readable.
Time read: 6.25
